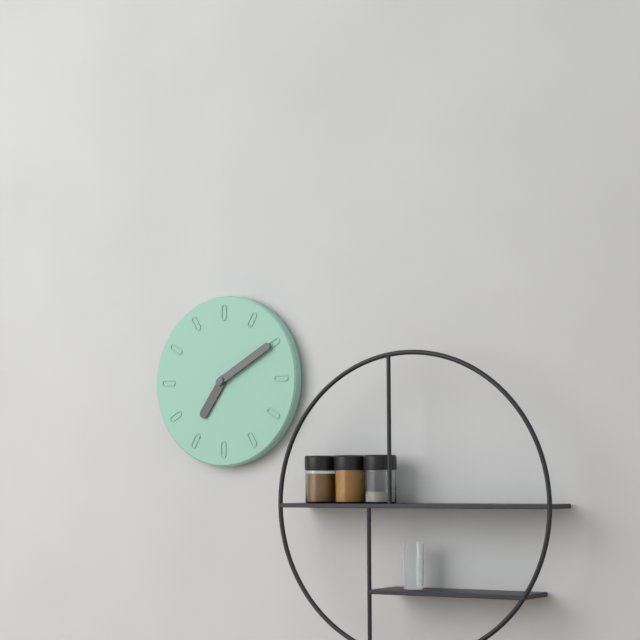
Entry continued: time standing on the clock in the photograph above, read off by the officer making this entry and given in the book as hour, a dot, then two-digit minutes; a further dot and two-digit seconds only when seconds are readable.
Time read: 7.10
